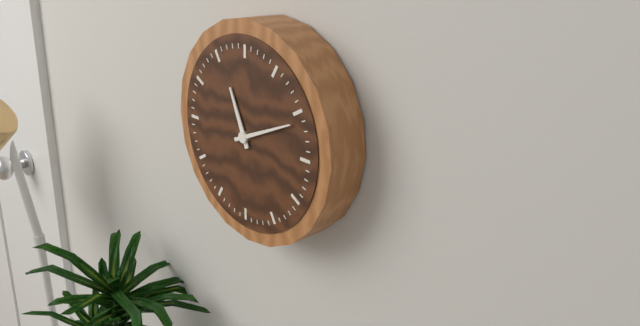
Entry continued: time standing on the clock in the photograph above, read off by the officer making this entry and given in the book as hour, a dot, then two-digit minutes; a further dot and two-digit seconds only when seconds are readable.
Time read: 11.11
